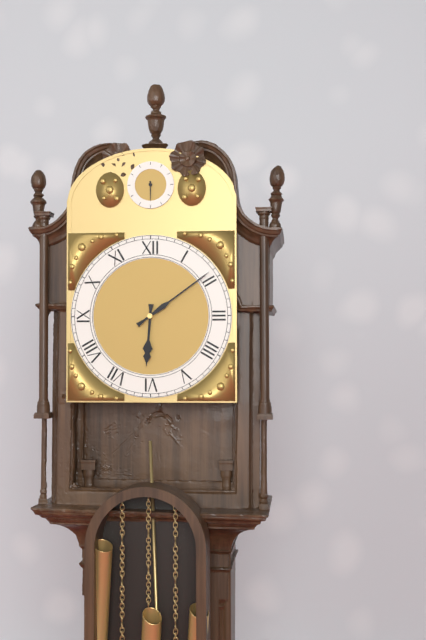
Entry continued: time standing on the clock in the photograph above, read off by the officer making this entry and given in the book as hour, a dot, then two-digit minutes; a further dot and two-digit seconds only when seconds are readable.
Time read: 6.09
